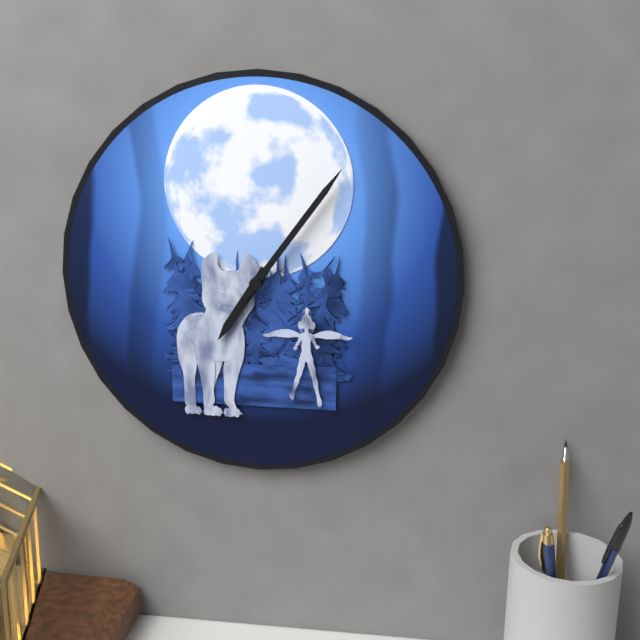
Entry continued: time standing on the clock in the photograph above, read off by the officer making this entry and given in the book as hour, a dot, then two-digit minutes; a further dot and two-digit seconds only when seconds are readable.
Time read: 7.06
